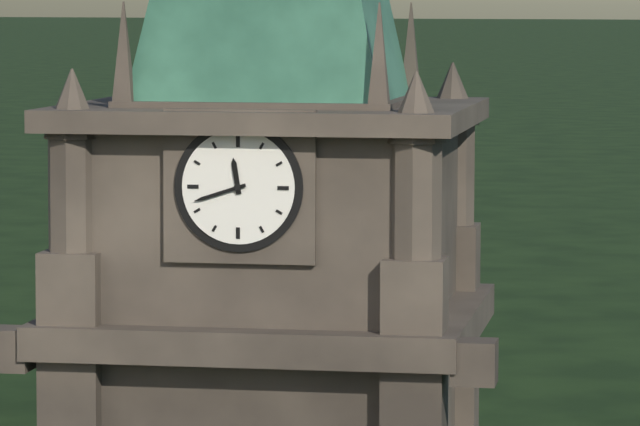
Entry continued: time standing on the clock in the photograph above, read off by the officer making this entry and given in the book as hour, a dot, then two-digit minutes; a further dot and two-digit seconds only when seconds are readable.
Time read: 11.42
